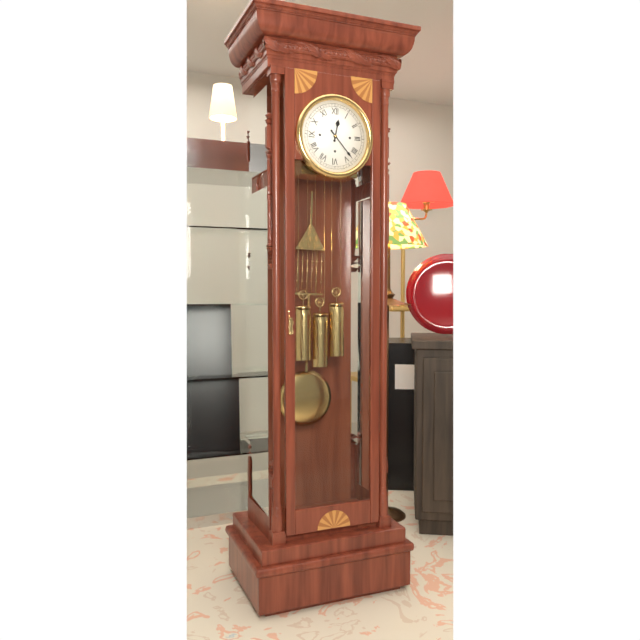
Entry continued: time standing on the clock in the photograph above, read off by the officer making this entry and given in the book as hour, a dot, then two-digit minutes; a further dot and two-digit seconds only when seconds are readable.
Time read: 12.23
